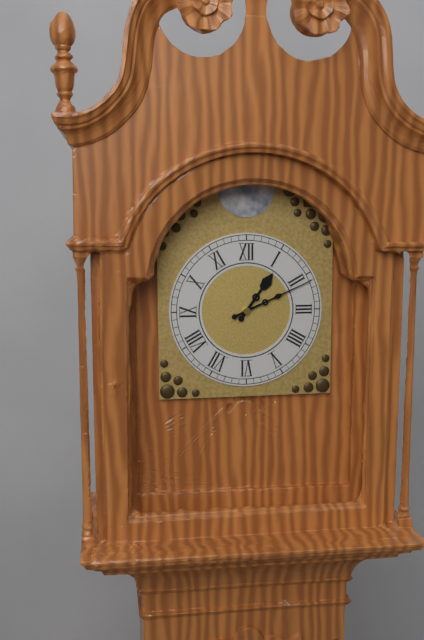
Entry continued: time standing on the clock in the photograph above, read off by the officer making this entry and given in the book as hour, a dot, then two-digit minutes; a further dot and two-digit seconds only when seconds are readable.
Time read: 1.11
